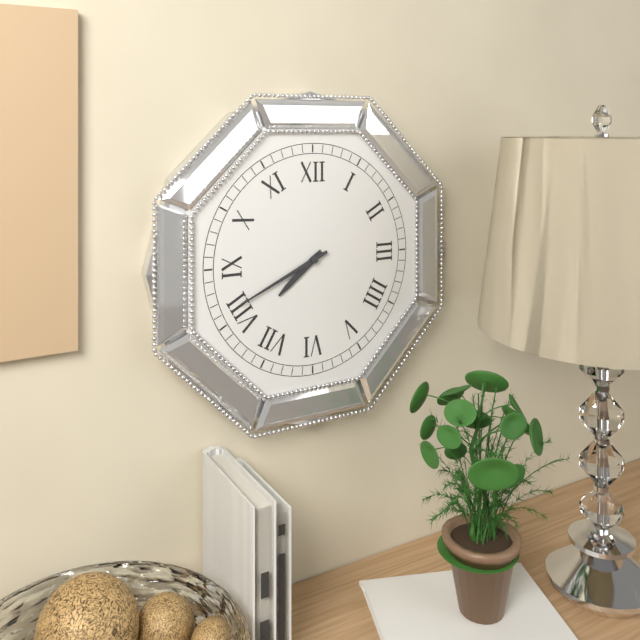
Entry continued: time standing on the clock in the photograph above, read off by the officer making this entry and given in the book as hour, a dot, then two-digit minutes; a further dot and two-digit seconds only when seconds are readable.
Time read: 7.41
